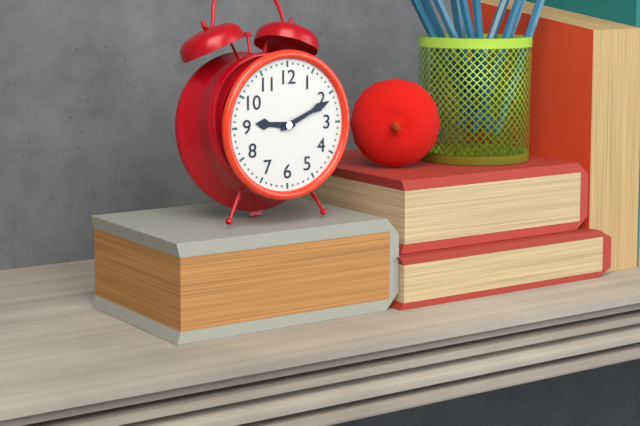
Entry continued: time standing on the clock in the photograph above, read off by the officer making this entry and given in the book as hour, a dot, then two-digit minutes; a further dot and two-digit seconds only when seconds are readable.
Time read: 9.11
